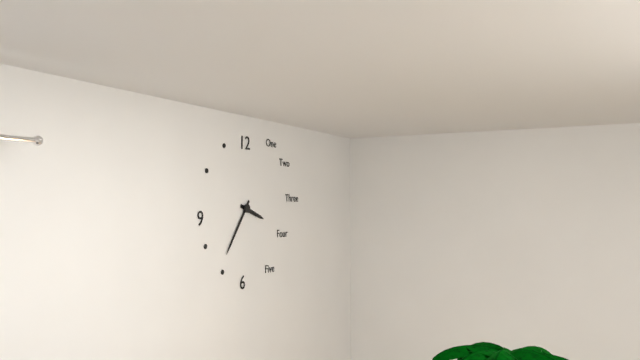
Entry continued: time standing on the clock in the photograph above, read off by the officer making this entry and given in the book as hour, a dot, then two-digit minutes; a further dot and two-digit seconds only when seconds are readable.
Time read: 3.36
